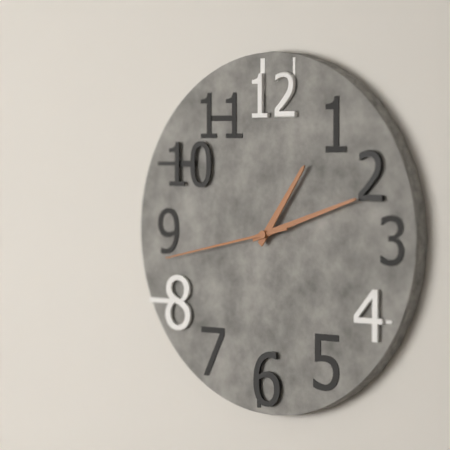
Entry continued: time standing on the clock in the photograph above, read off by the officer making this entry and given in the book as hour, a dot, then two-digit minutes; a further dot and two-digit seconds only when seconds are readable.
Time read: 1.12.43
